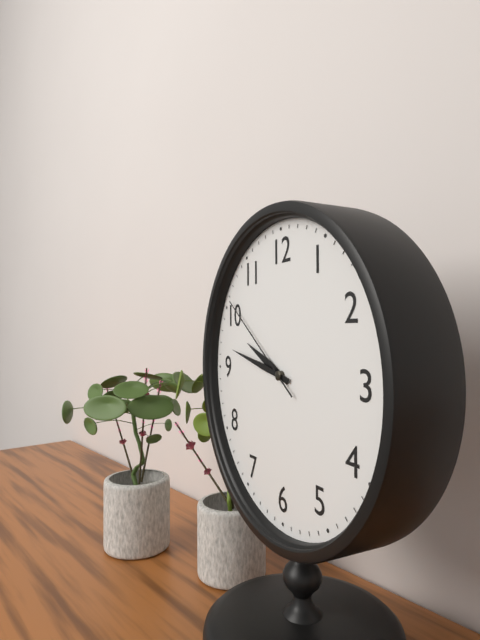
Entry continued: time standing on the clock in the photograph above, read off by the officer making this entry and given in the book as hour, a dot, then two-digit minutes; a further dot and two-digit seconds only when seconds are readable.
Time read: 9.47.51
